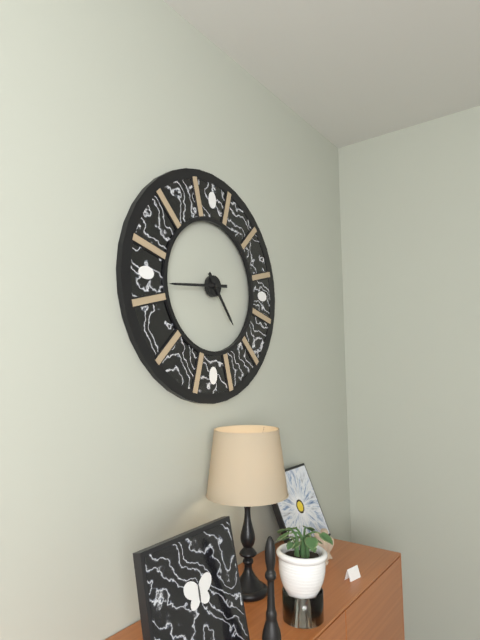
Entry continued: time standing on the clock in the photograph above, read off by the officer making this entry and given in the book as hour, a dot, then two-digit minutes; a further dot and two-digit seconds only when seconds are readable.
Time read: 4.44
